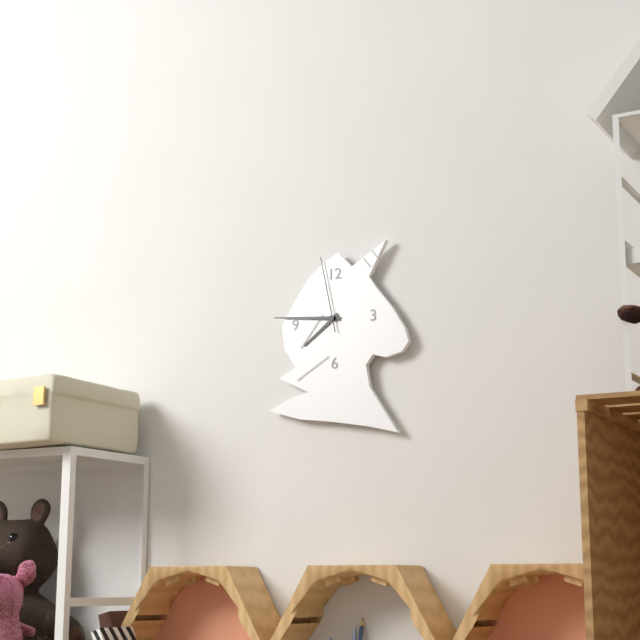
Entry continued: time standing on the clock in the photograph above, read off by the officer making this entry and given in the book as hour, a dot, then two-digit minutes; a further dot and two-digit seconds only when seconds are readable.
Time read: 7.46.58
